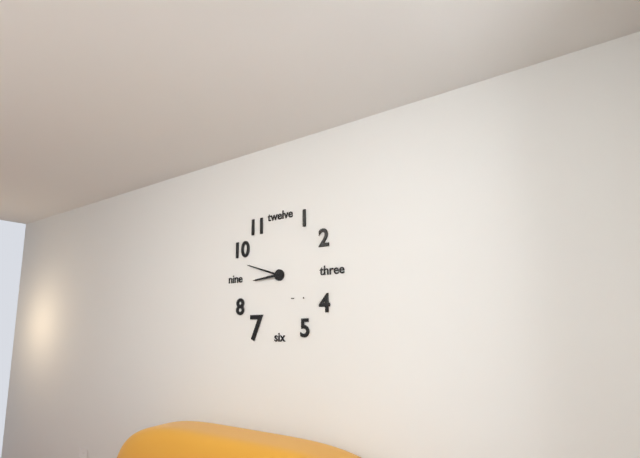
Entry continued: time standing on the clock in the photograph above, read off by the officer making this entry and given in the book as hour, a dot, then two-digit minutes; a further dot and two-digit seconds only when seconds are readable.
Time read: 8.48
